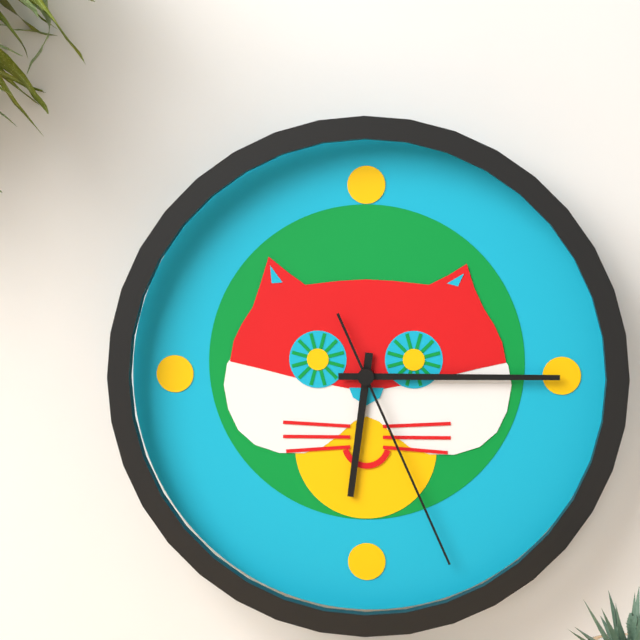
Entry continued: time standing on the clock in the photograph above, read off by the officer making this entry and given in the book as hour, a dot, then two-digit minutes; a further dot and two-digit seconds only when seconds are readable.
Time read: 6.15.26
